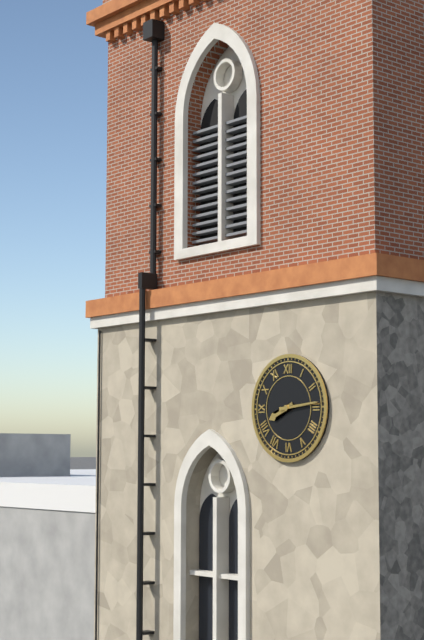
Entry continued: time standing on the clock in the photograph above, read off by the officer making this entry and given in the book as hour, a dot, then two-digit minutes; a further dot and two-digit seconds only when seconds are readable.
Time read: 8.14
